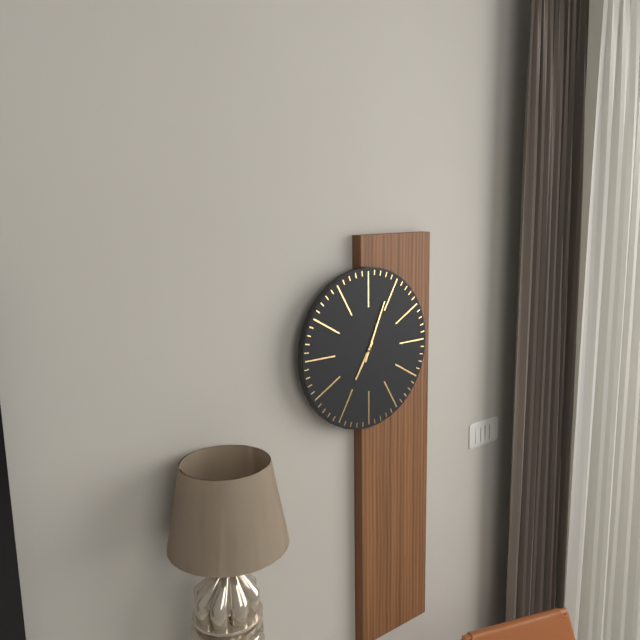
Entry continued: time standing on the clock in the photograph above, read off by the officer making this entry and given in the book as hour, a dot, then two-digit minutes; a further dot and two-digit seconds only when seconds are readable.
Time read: 7.04
